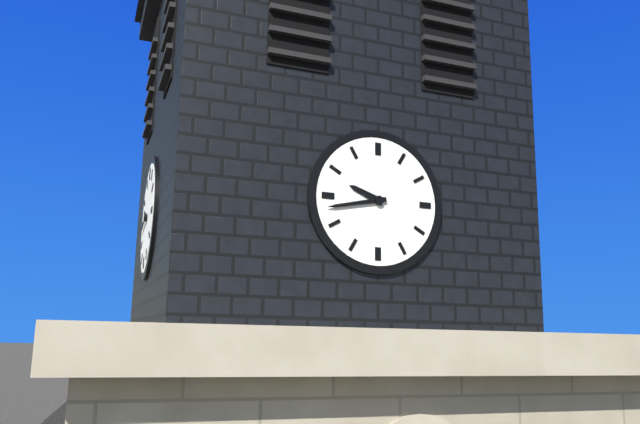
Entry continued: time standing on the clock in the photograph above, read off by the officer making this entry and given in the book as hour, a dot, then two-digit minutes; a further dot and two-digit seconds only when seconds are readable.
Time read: 9.43
